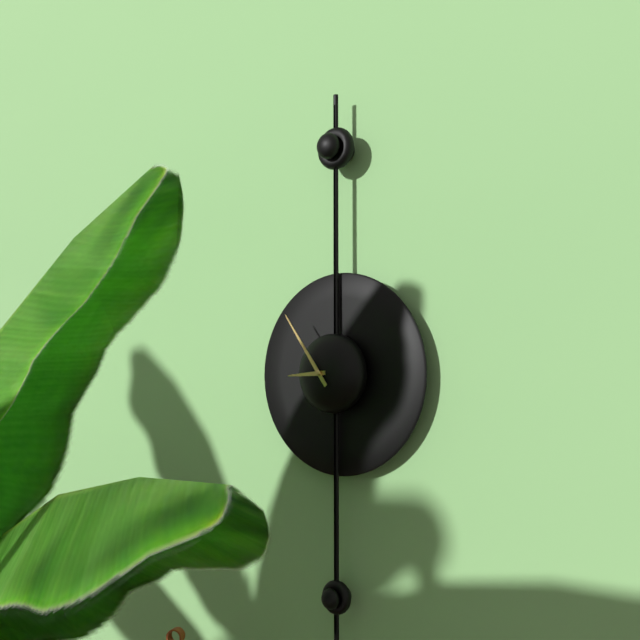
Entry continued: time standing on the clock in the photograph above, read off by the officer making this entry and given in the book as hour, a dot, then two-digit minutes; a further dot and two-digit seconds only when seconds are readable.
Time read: 8.54
